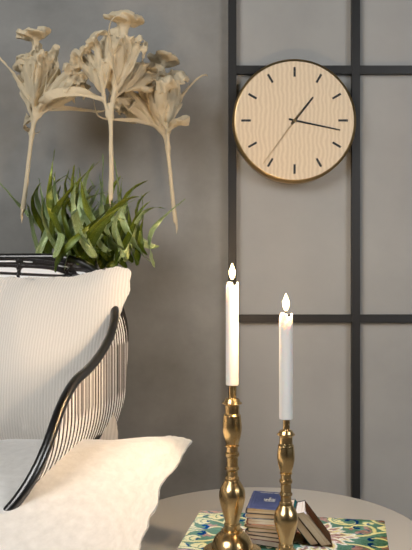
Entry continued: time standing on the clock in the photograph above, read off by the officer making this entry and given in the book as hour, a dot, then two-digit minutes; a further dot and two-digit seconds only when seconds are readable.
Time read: 1.17.36
